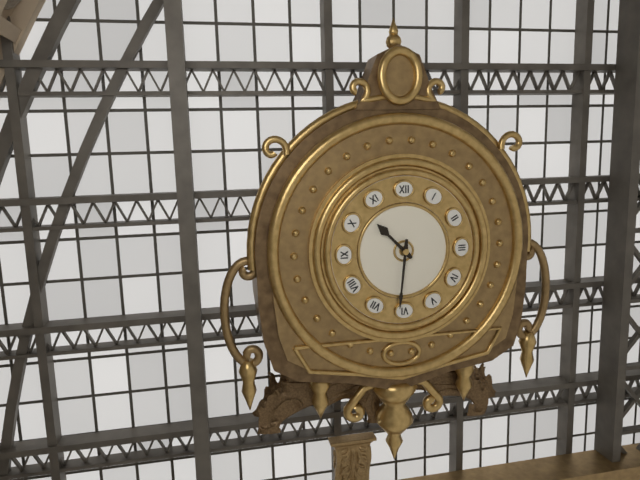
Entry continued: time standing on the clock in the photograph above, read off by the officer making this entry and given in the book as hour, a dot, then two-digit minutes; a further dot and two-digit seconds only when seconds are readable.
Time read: 10.31
